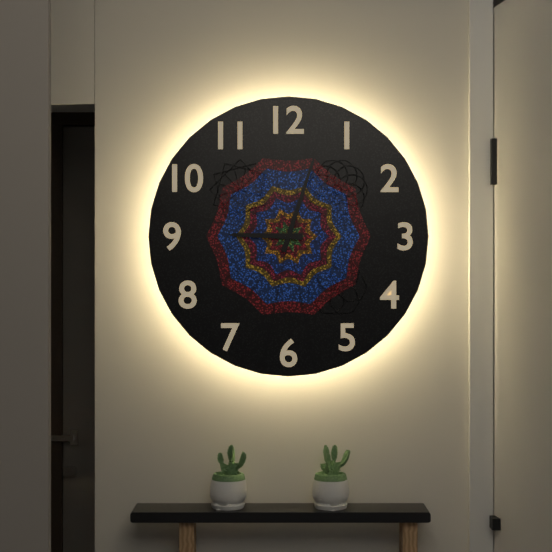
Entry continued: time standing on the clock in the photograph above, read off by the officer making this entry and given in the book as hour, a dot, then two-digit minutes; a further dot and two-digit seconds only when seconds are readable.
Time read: 9.03
